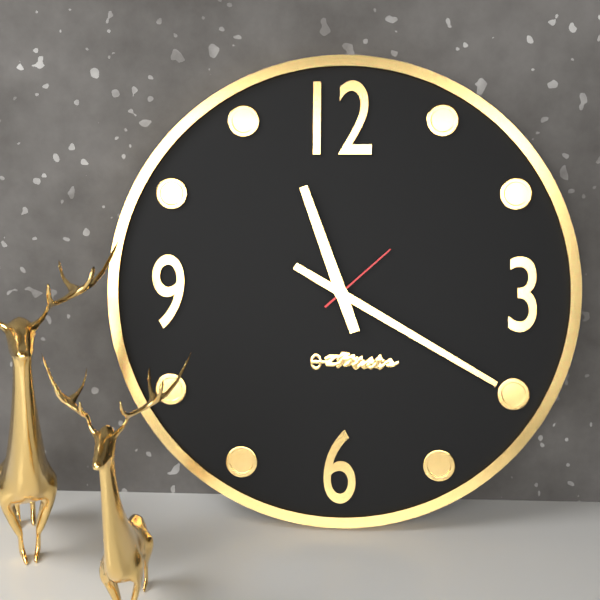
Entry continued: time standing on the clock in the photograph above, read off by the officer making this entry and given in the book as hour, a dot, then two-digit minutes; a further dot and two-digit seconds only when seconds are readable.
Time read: 11.20.08
